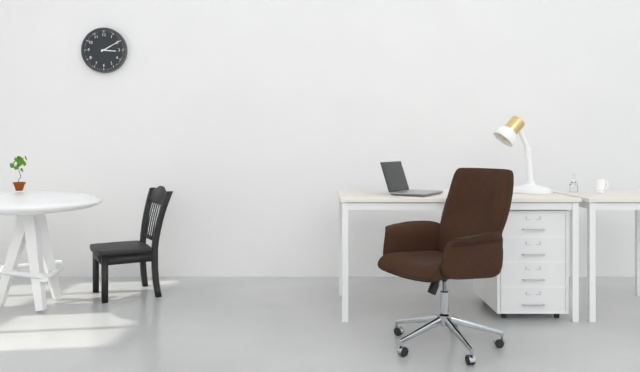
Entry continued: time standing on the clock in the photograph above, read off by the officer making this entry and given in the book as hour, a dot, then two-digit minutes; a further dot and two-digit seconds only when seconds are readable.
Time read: 3.10
